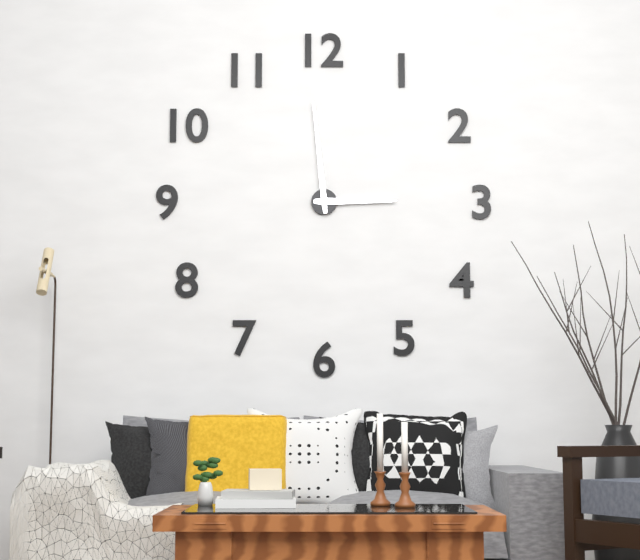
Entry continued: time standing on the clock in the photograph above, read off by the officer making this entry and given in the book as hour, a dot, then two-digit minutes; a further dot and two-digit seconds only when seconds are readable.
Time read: 2.59
